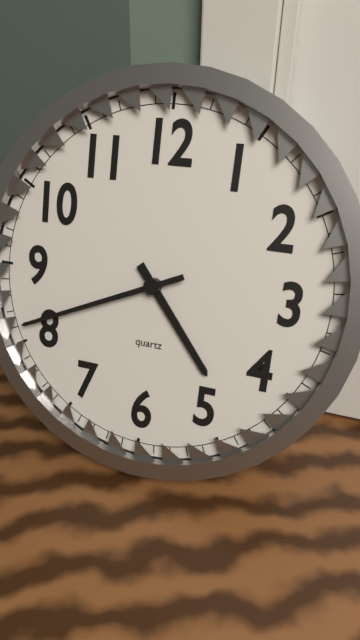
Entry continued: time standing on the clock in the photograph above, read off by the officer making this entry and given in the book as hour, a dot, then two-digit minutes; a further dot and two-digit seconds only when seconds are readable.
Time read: 4.41
